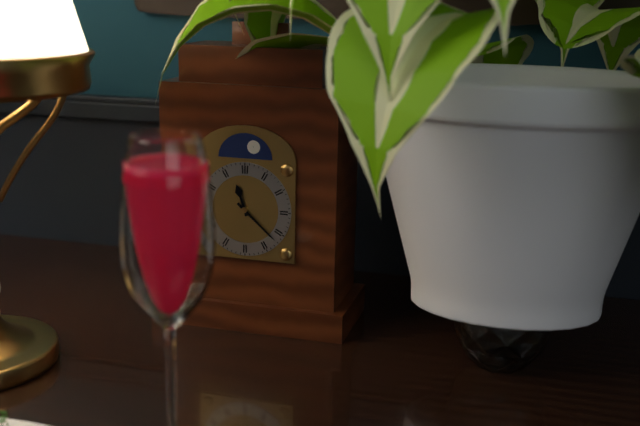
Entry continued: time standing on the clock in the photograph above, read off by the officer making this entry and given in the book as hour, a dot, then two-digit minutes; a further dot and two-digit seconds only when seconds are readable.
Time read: 11.22
